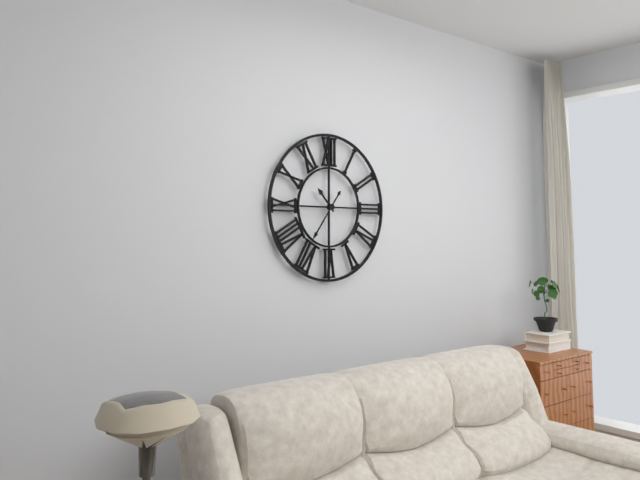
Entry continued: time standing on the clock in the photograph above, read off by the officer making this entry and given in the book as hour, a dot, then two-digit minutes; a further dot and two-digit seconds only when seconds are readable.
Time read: 10.36
